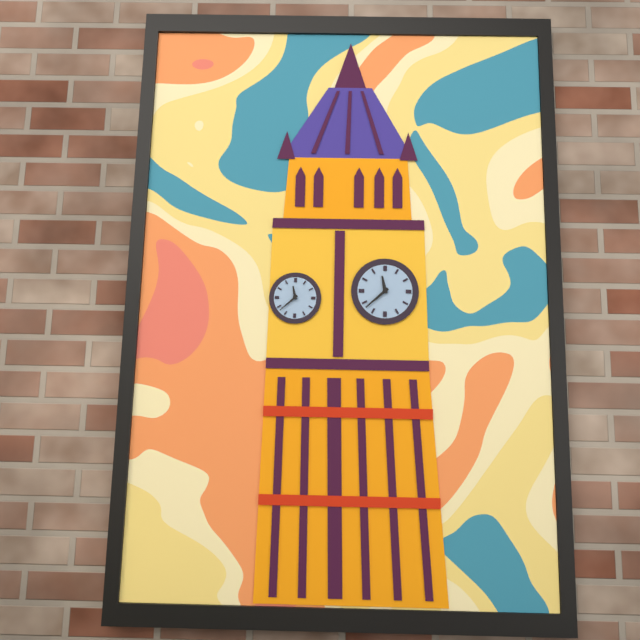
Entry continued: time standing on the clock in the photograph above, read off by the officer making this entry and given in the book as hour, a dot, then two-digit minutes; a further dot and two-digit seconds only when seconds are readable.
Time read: 11.38
